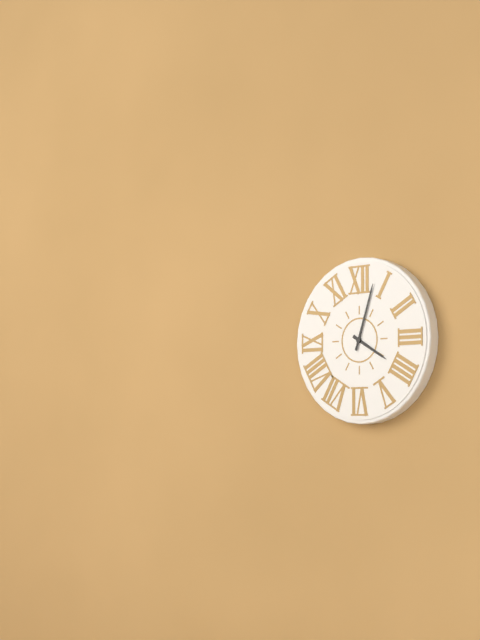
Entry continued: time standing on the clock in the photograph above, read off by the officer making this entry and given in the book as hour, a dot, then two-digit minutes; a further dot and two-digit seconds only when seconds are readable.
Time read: 4.03
